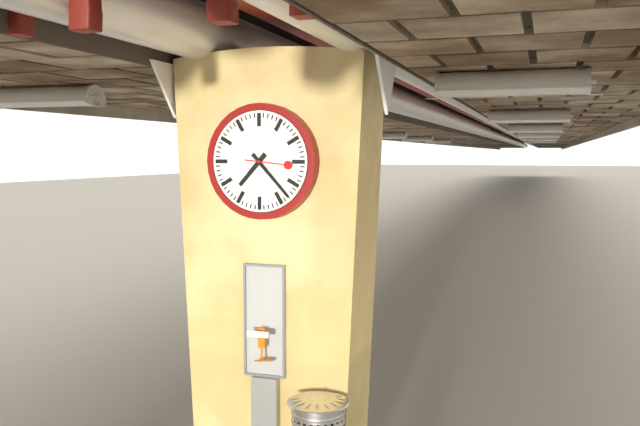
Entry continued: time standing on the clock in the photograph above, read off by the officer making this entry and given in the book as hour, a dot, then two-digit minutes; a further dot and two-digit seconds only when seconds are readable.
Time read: 7.23
